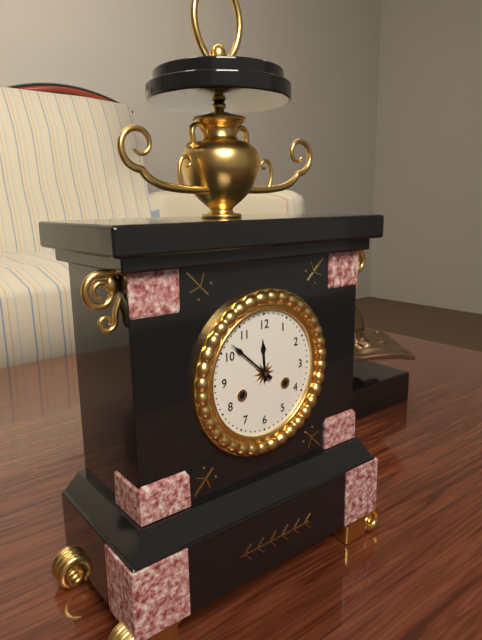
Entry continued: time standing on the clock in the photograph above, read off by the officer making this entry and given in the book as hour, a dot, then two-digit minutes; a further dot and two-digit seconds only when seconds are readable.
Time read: 11.52
